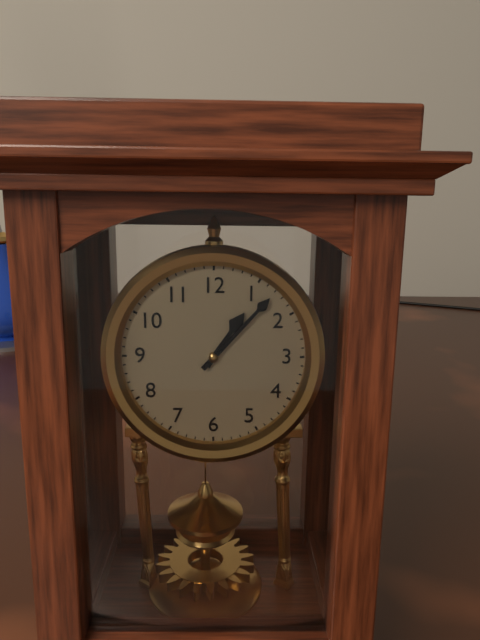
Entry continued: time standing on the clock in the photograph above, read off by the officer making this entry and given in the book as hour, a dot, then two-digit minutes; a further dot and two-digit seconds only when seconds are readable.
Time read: 1.07
